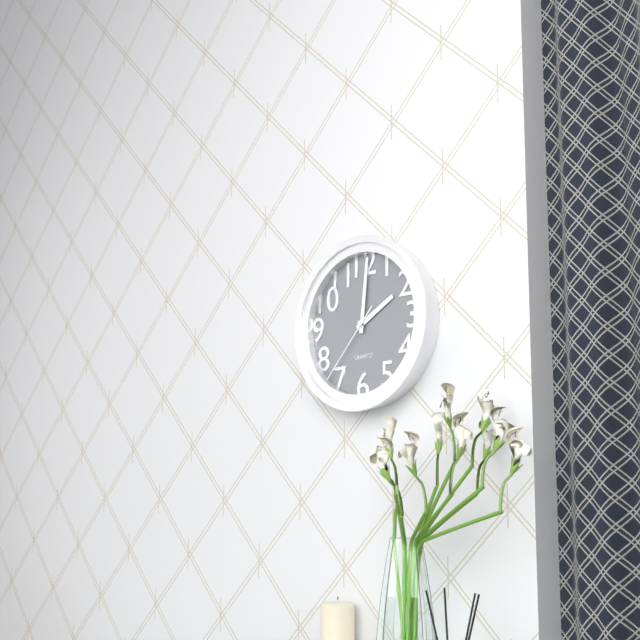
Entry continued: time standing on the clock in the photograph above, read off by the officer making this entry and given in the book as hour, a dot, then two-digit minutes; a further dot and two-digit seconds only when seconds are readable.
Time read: 2.01.37
